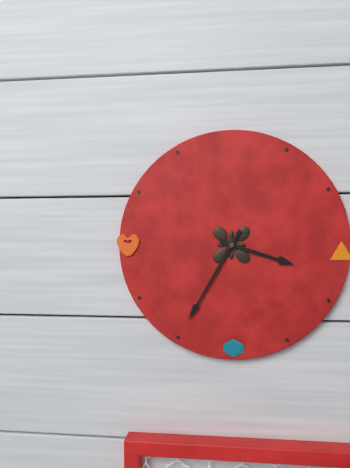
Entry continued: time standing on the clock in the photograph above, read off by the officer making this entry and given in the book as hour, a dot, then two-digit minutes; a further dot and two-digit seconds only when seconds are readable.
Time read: 3.35
